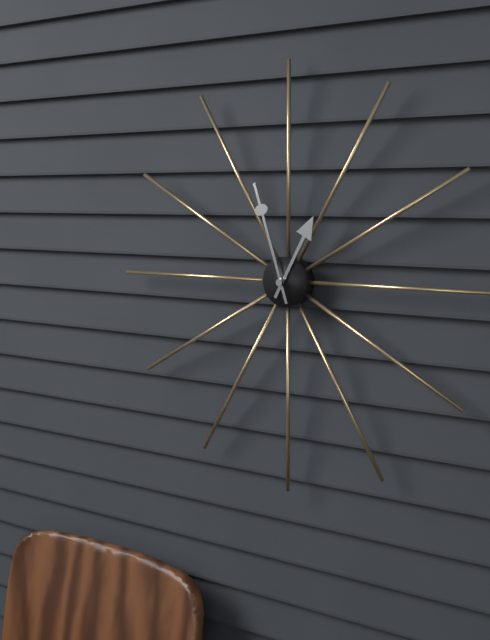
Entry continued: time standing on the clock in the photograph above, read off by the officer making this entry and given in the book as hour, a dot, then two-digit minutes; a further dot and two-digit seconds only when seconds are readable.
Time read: 12.57
